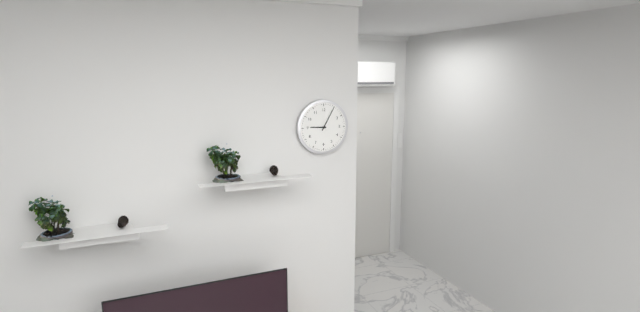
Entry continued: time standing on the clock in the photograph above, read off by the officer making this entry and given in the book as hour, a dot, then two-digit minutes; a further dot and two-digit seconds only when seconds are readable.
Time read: 9.05
